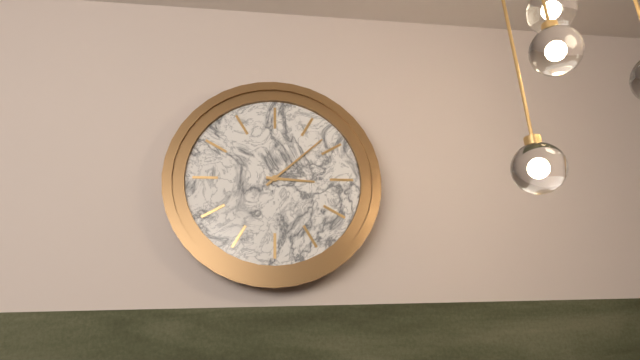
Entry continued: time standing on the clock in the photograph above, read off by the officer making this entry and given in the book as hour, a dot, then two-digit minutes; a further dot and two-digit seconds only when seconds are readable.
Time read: 3.08
